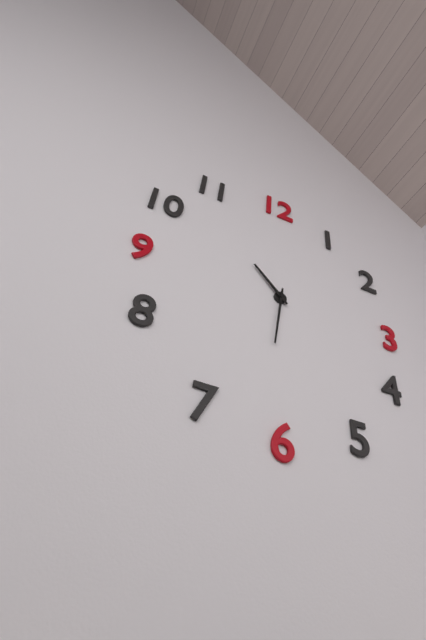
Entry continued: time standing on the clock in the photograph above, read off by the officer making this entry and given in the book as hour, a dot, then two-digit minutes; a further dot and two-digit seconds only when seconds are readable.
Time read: 10.31
